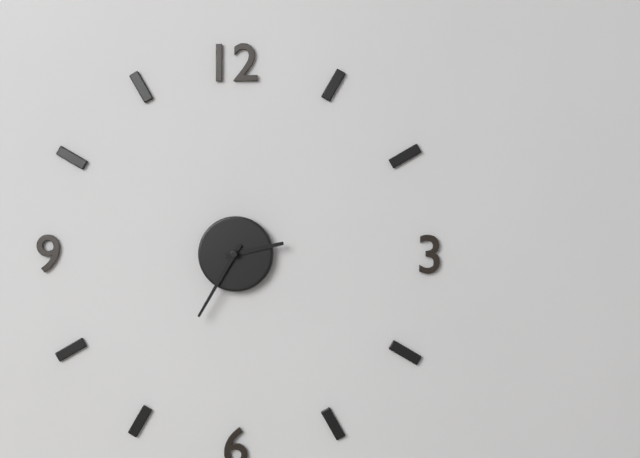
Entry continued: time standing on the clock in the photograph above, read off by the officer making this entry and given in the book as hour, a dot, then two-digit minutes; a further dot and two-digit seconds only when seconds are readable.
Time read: 2.35
